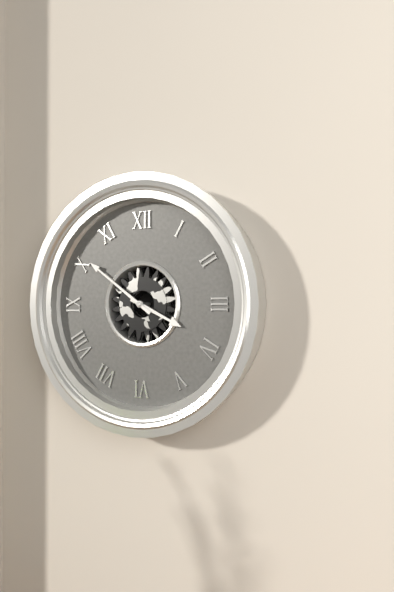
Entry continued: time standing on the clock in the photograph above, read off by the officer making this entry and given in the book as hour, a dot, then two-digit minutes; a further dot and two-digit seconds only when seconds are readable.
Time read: 3.51
